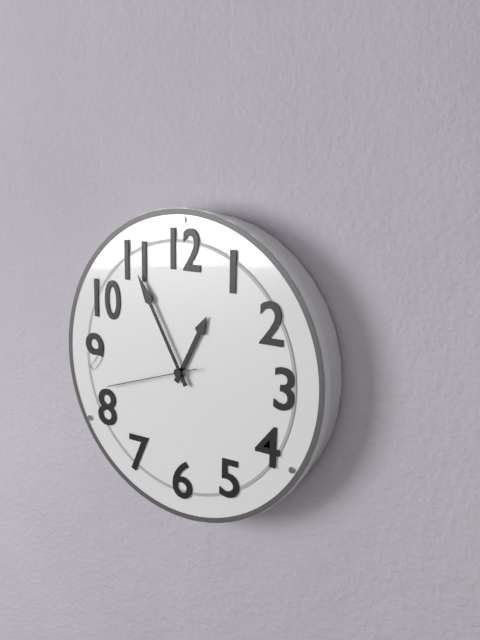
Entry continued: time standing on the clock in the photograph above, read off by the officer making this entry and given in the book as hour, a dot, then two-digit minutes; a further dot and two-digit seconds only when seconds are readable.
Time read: 12.55.42
